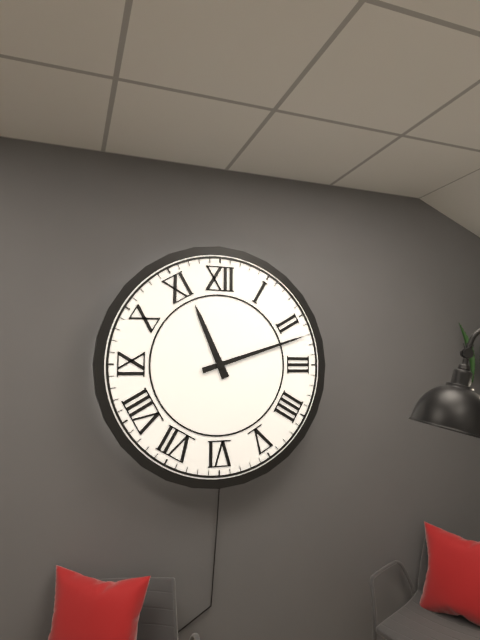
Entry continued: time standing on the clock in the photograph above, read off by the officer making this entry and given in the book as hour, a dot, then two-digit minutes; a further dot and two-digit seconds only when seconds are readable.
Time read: 11.12
